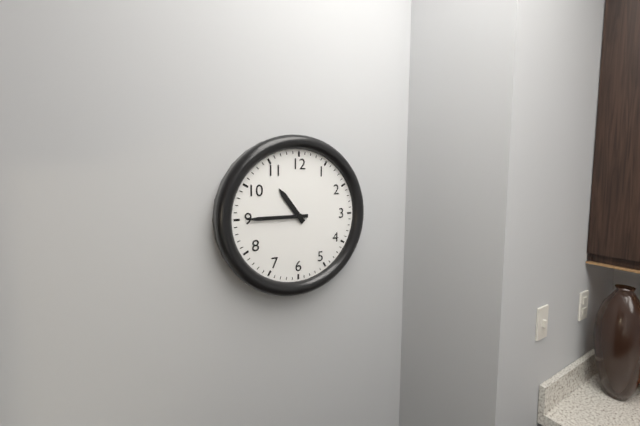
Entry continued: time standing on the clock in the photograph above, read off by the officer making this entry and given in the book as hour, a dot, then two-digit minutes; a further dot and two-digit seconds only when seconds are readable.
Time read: 10.45
